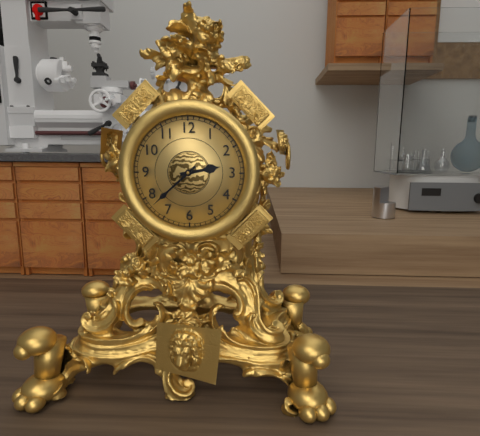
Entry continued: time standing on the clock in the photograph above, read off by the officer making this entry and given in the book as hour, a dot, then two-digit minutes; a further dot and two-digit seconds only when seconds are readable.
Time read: 2.38
